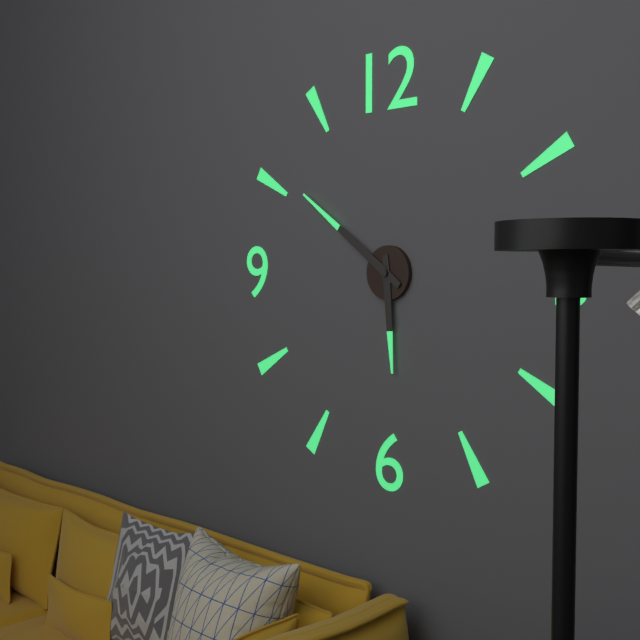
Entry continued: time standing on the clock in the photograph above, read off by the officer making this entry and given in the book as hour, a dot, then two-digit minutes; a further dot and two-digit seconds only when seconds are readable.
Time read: 5.51
